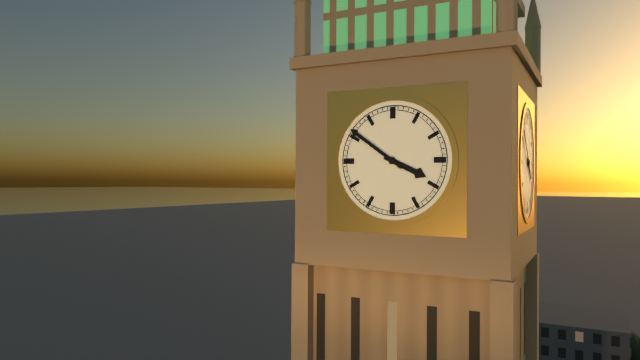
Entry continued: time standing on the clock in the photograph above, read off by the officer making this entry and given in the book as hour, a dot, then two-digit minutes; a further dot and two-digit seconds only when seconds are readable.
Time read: 3.51
